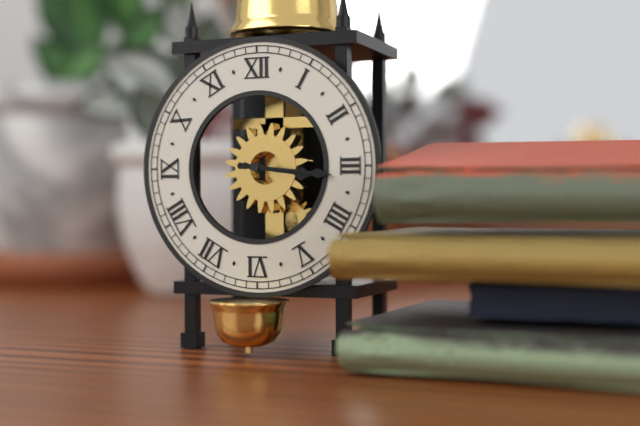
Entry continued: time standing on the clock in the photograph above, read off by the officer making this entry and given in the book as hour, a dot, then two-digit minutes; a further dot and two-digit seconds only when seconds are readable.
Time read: 3.16
